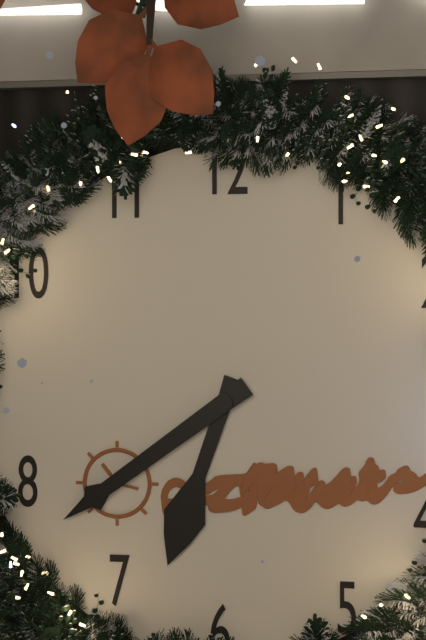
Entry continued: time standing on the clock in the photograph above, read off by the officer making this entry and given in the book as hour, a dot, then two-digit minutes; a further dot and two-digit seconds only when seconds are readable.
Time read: 6.39
